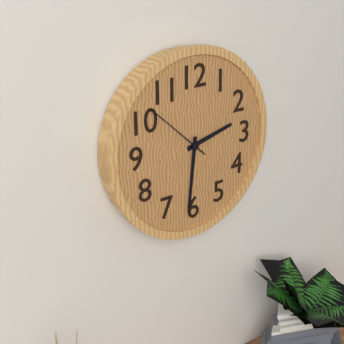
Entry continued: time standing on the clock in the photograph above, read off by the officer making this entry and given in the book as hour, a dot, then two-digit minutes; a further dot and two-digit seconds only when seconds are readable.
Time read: 2.31.52
